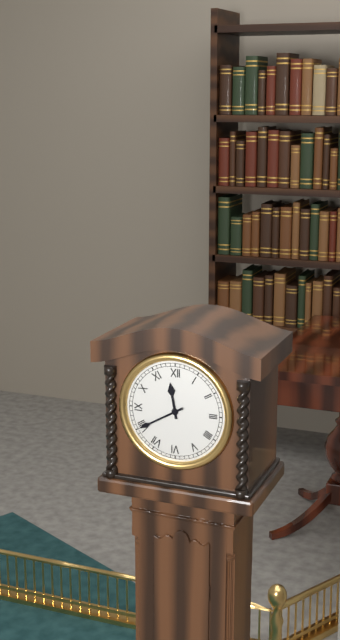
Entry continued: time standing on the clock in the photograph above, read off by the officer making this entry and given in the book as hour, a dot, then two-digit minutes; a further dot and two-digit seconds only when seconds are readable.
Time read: 11.40
